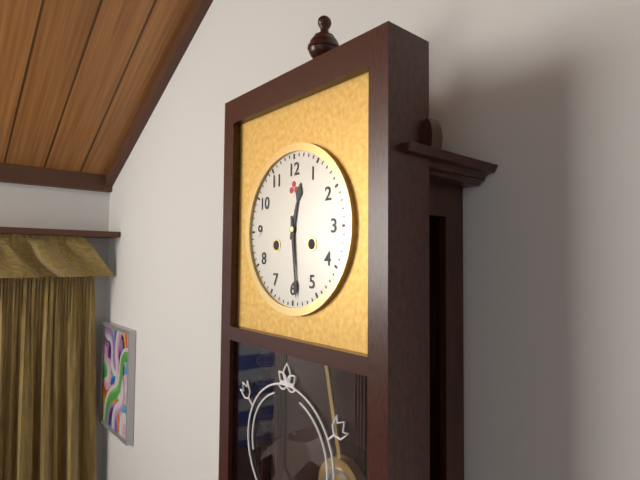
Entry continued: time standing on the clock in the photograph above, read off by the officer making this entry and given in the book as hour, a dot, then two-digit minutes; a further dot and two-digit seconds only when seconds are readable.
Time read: 12.29
